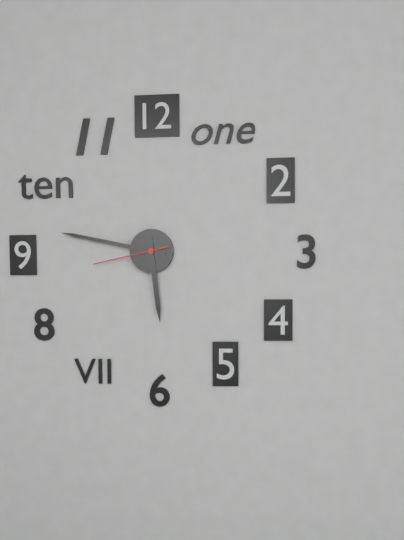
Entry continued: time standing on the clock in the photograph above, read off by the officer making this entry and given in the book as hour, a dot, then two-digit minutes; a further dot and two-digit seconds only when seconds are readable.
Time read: 5.47.43
